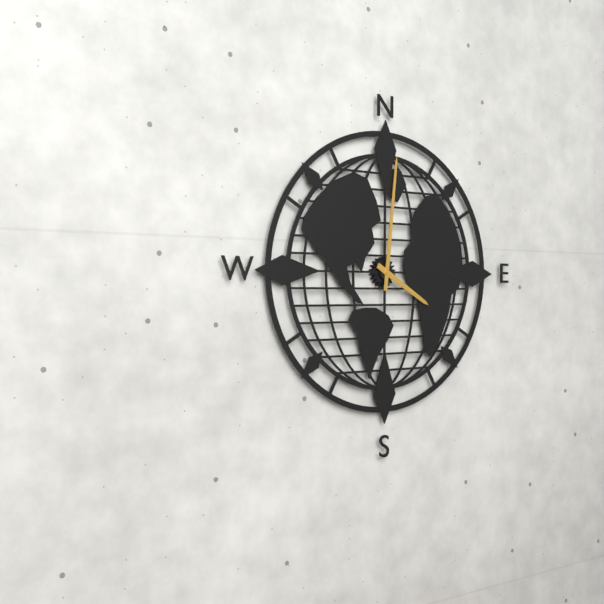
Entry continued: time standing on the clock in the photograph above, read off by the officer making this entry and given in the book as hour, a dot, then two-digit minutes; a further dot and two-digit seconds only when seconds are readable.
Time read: 4.01
